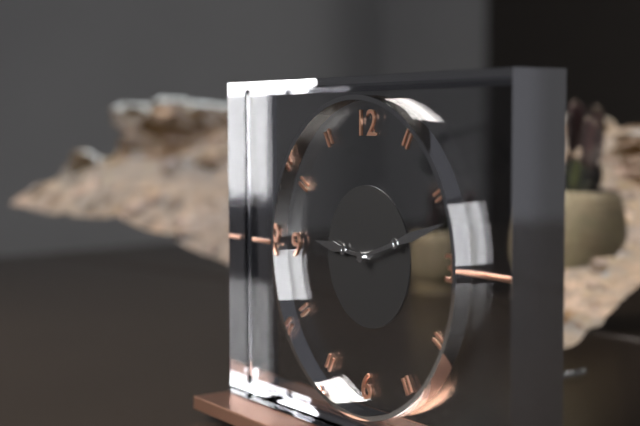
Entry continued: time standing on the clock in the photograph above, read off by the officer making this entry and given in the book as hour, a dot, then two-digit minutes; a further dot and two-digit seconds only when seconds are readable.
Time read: 9.12
